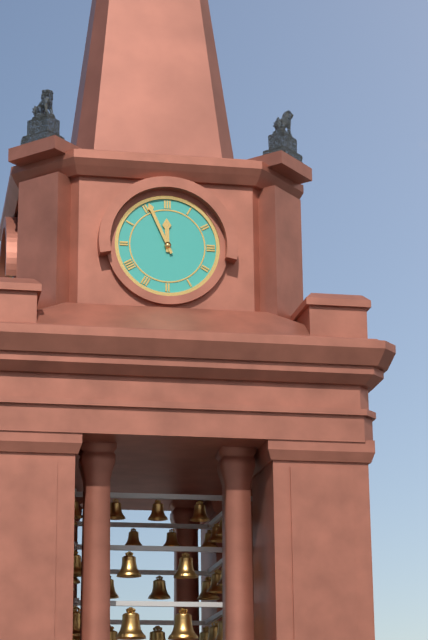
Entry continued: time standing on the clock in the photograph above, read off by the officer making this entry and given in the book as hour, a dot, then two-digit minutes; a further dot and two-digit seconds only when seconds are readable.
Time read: 11.56
